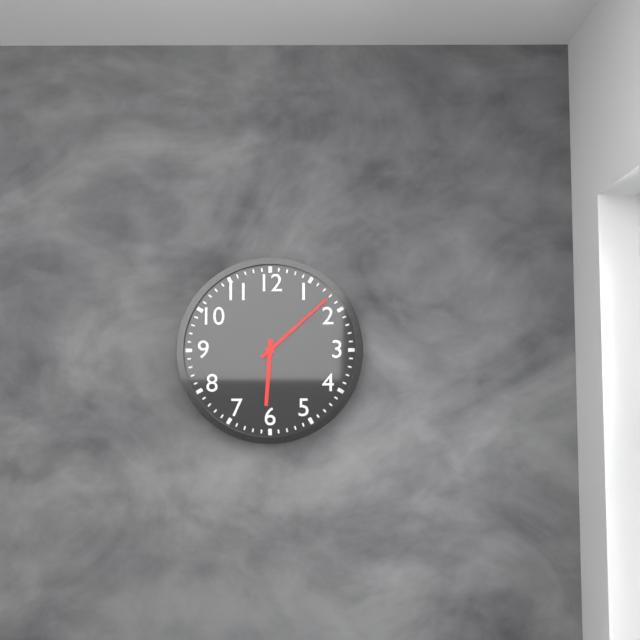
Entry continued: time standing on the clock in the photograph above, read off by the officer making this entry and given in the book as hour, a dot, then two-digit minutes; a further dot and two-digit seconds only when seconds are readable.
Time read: 6.08
